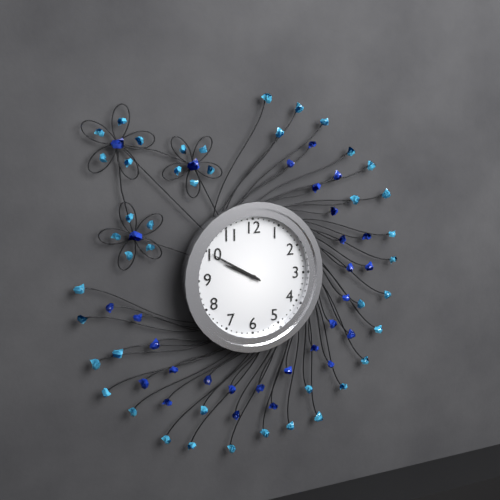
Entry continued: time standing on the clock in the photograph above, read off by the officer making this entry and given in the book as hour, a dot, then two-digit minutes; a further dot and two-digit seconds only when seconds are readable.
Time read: 9.50
